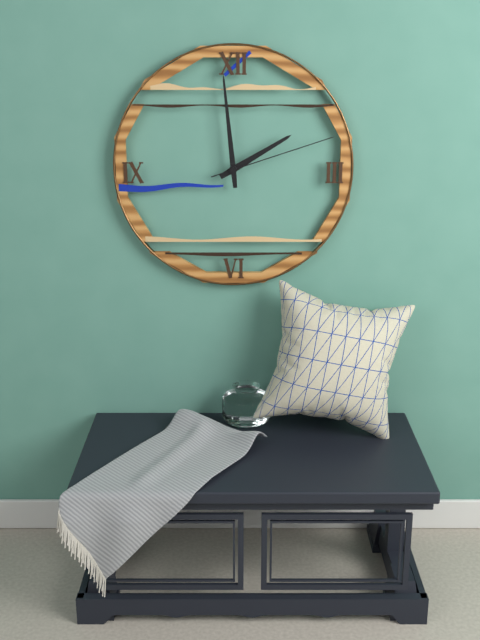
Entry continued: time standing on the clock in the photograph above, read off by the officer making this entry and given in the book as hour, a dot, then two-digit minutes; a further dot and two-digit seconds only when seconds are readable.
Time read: 1.59.12
